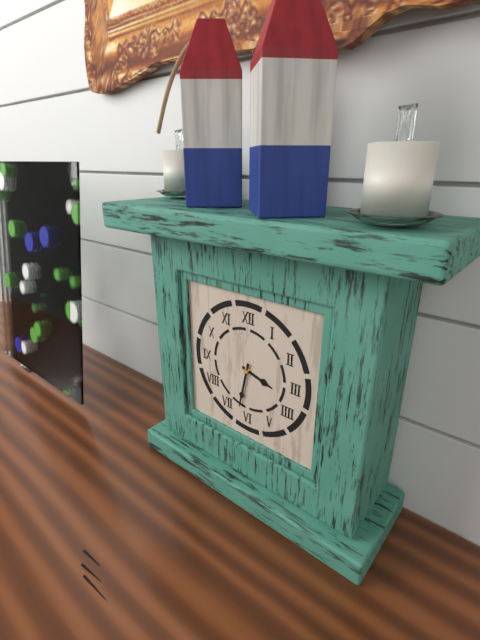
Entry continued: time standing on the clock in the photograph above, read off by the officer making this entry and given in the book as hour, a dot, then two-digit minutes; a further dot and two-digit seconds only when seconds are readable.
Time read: 3.32
